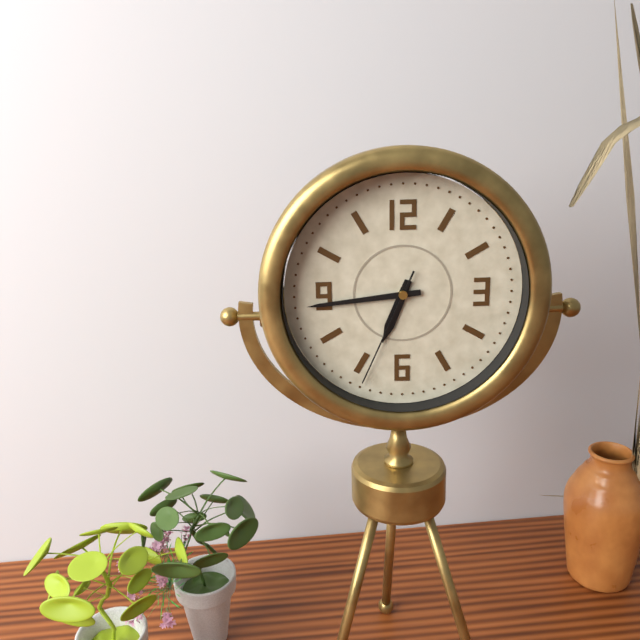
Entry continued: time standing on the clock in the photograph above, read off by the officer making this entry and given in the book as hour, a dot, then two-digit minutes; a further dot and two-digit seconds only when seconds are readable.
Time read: 6.44.34
